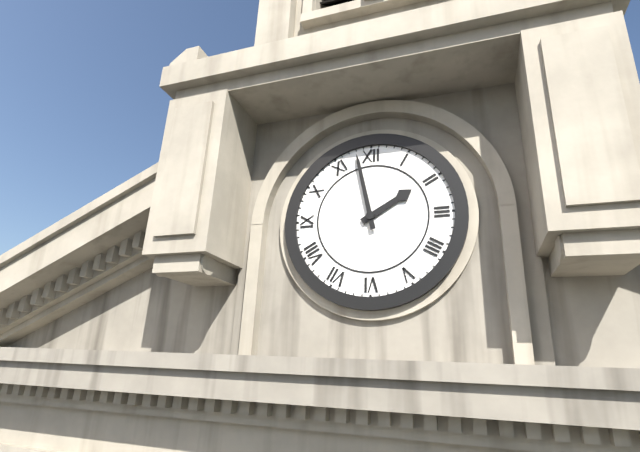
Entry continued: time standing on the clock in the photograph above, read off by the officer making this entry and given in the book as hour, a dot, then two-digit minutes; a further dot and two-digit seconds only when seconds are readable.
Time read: 1.58
